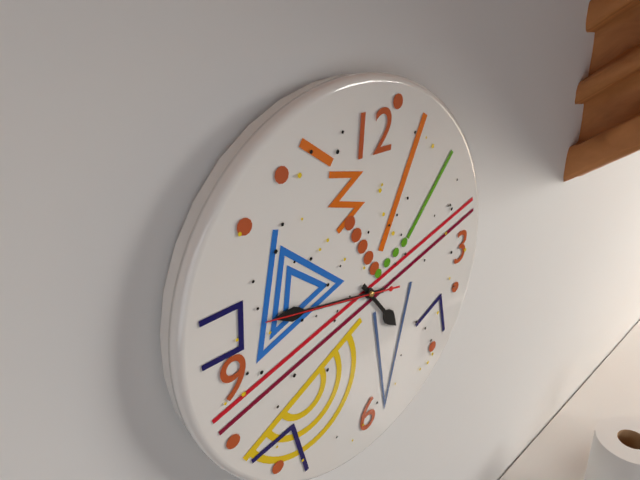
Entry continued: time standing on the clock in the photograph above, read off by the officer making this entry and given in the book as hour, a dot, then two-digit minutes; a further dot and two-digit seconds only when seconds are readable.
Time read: 4.47.47
